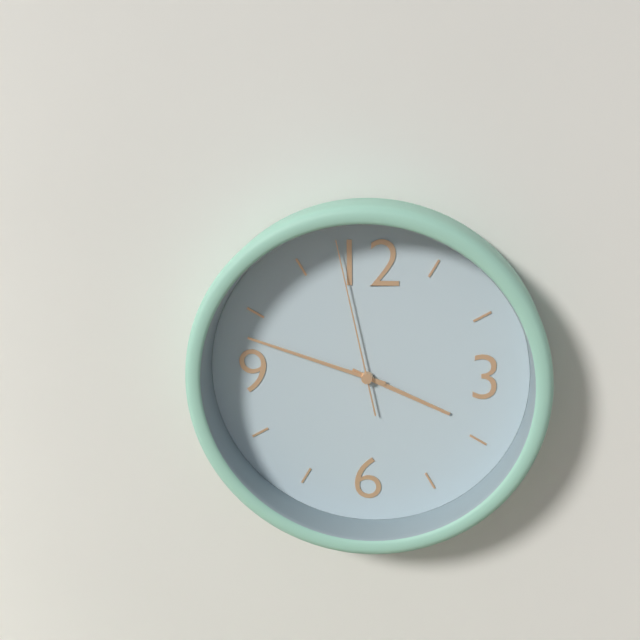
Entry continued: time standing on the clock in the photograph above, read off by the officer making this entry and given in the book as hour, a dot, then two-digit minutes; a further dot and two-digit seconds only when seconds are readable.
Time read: 3.48.58
